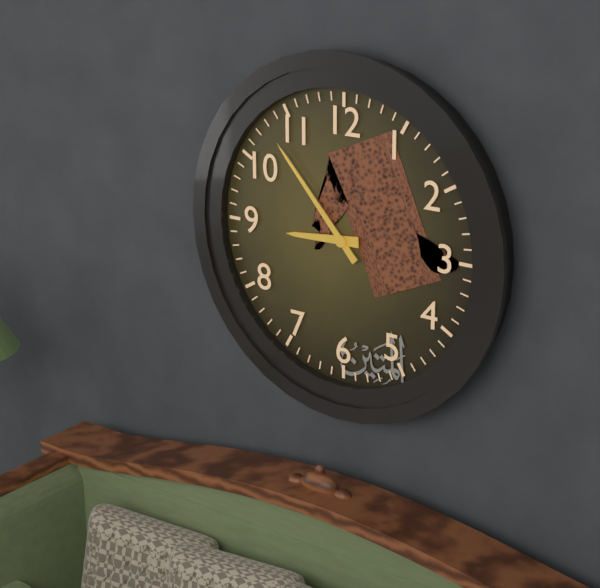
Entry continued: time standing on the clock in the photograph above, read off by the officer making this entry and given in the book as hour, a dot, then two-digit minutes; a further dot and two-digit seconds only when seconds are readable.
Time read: 8.53
